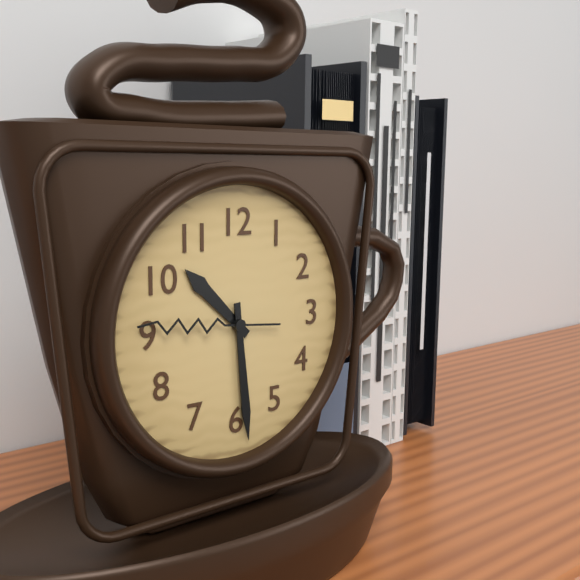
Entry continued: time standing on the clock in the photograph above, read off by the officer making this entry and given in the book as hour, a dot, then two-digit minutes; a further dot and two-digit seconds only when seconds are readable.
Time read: 10.29.46
